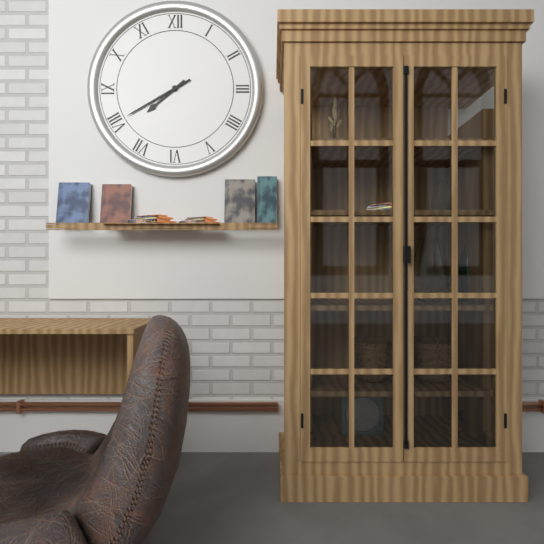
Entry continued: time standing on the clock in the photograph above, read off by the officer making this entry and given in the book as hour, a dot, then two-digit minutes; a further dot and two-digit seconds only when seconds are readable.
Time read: 7.40
